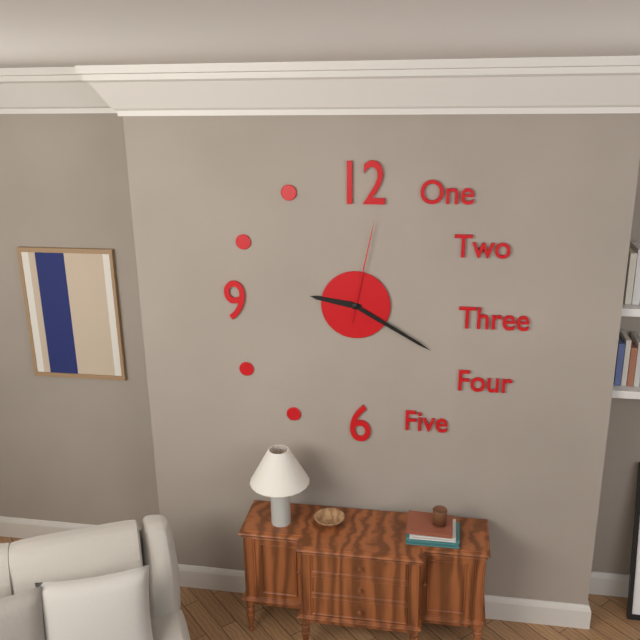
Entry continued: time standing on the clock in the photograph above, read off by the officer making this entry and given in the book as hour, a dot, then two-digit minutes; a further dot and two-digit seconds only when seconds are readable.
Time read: 9.20.02
